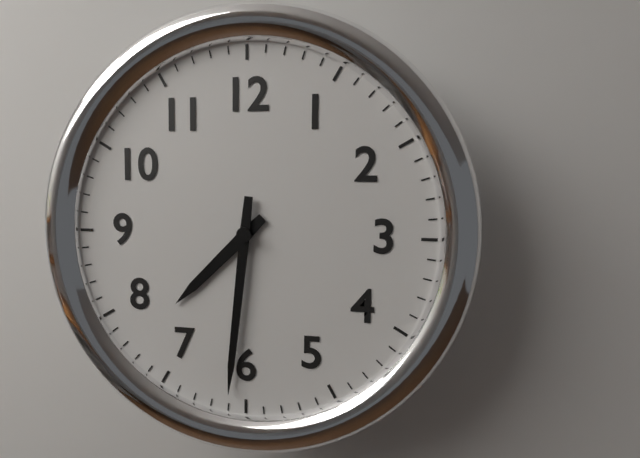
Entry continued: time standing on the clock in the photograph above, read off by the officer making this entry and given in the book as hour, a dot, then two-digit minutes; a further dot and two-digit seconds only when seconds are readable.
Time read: 7.31
